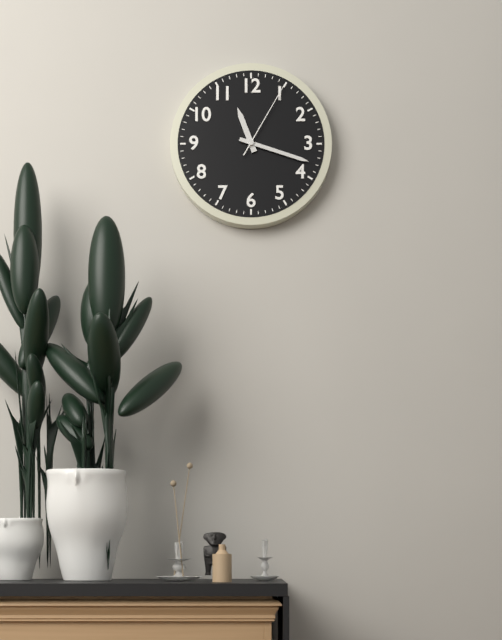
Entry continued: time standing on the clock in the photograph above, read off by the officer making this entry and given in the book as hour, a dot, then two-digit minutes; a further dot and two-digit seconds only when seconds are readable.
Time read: 11.18.05
